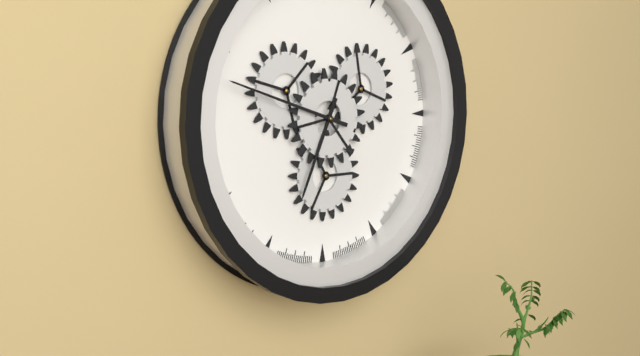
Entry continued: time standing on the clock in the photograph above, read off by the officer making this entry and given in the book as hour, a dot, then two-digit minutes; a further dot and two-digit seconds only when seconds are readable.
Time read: 6.48
